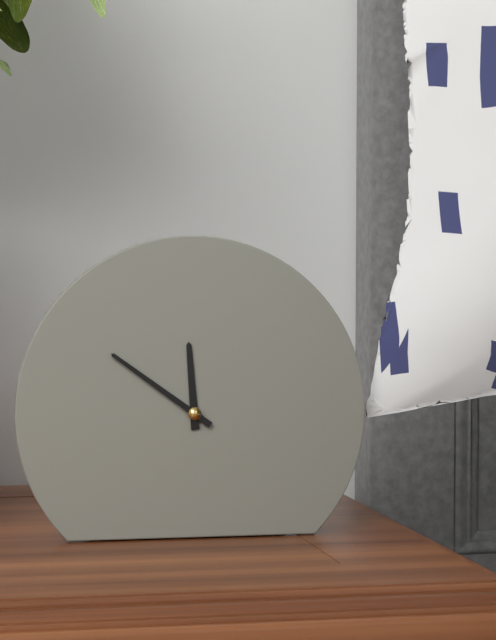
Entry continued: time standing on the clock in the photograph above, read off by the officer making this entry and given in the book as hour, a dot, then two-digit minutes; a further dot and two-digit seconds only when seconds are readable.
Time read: 11.51
